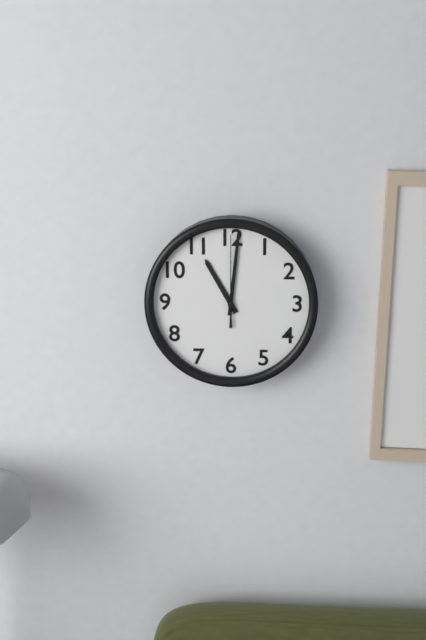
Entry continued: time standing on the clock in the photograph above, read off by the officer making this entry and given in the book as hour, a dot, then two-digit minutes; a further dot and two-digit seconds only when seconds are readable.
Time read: 11.01.00
